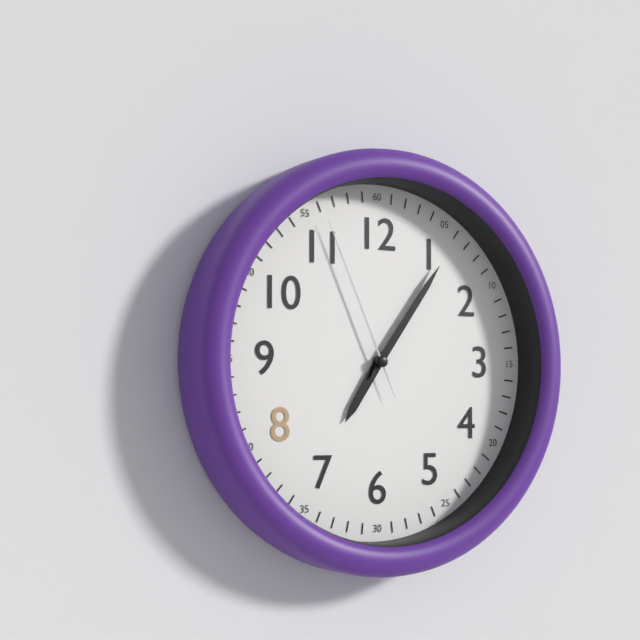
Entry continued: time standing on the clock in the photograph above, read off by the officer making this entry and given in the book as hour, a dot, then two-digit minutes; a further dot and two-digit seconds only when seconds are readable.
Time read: 7.06.56
